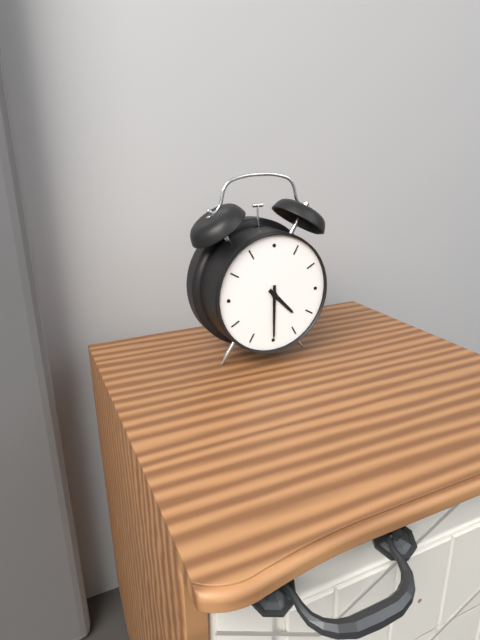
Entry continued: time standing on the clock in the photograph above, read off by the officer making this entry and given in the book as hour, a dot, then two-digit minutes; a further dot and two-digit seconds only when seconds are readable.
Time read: 4.30
